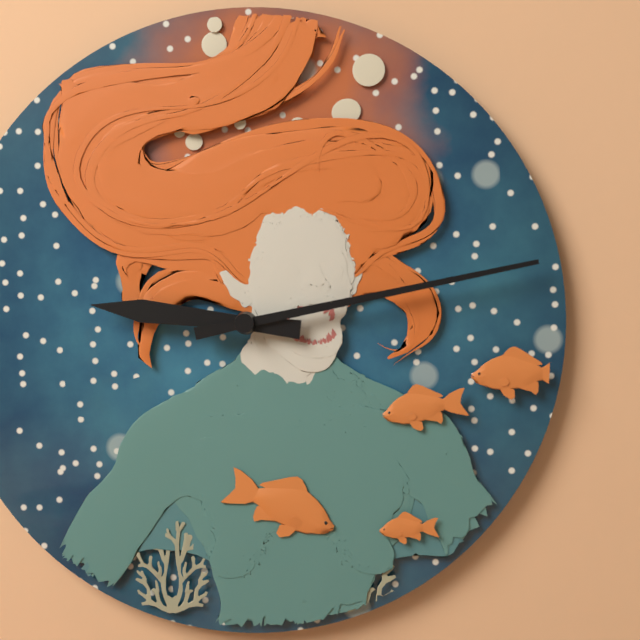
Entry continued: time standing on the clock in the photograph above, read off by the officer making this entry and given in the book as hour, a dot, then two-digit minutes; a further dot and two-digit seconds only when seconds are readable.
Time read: 9.13
